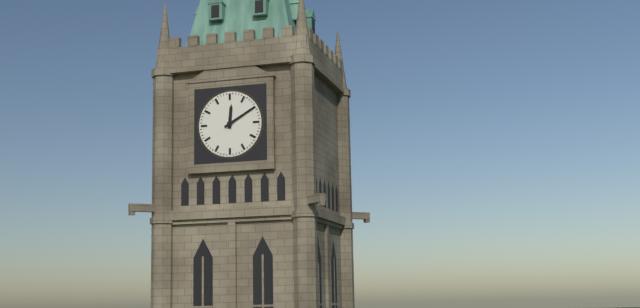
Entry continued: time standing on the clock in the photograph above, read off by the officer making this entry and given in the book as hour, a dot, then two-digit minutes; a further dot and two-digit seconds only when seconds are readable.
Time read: 12.10
